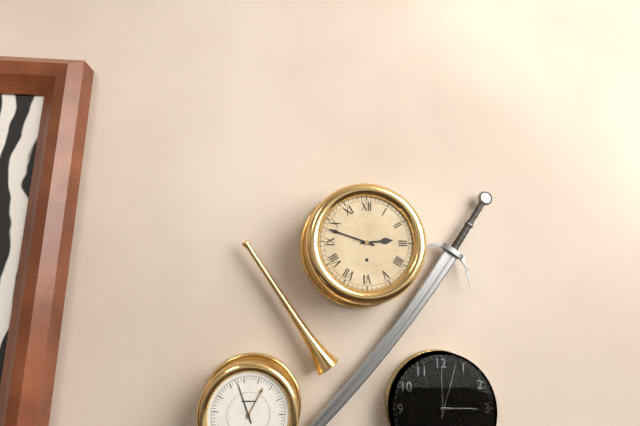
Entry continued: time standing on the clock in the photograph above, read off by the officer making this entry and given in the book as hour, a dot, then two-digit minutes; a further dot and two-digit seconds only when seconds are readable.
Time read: 2.48
